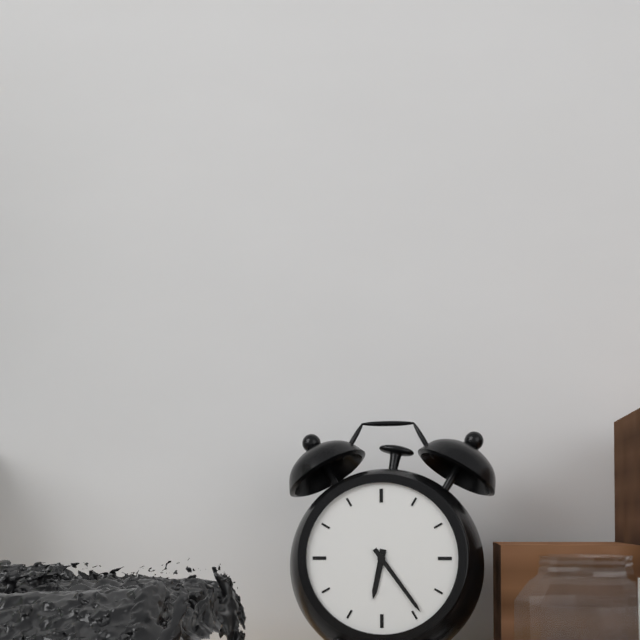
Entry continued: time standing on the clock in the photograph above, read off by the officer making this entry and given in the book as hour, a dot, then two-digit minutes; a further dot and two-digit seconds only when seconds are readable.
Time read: 6.24
